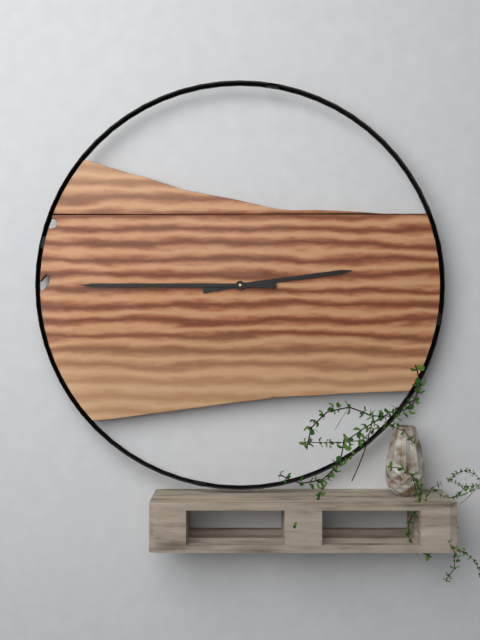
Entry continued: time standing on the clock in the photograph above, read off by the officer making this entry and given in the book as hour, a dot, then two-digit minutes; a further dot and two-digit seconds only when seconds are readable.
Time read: 2.45
